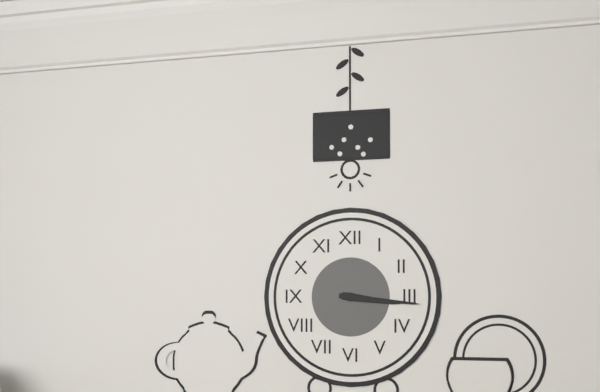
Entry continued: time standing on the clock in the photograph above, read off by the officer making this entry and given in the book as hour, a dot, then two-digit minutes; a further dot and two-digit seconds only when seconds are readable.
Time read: 3.16
